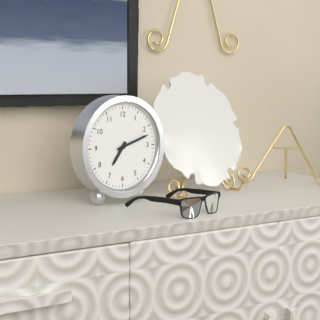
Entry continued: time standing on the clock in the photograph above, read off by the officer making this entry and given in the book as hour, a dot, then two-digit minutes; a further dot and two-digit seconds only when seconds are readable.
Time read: 7.12
